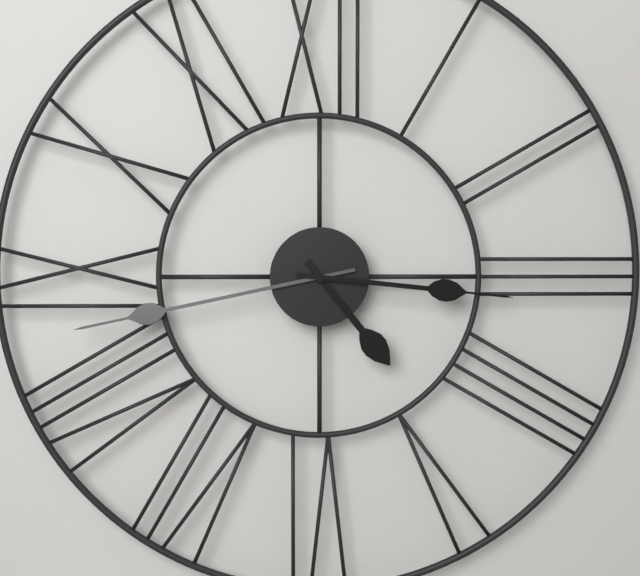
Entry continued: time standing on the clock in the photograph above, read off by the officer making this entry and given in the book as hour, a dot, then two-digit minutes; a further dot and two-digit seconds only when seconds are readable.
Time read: 4.43.16
